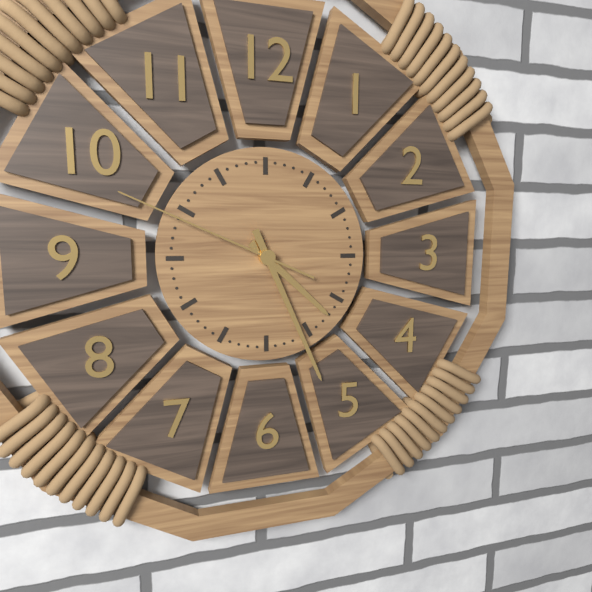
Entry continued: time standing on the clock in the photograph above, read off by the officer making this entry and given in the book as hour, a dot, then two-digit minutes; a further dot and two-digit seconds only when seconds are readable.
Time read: 4.26.49
